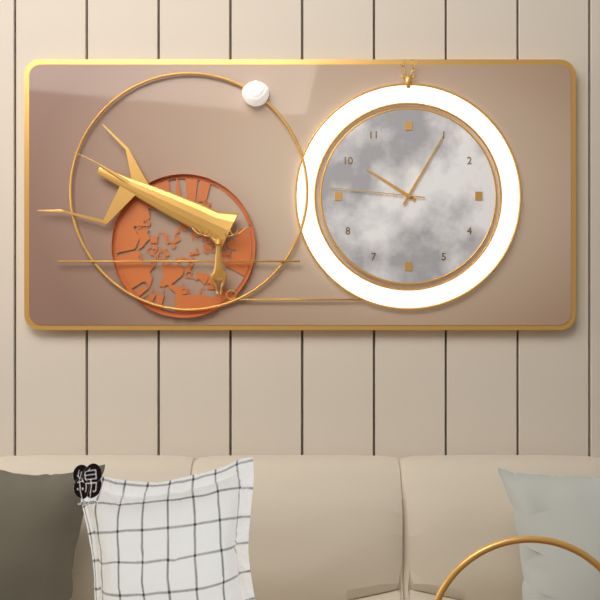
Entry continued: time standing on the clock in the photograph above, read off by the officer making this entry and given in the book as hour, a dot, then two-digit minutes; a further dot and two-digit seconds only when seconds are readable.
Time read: 10.05.46
